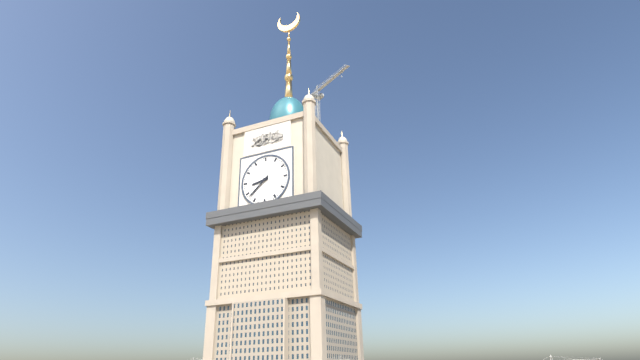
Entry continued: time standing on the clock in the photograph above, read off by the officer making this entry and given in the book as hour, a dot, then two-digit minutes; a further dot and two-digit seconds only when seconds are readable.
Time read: 8.38
